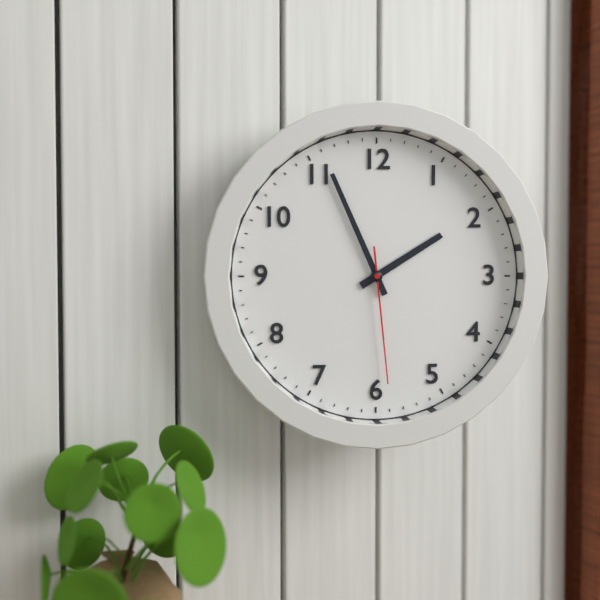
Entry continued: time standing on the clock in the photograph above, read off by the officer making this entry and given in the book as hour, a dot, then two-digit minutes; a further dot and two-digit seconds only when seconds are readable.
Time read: 1.56.29
